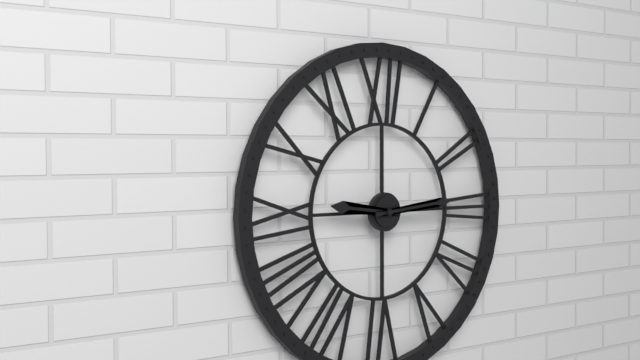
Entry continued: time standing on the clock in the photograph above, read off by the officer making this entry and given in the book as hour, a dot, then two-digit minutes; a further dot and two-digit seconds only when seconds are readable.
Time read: 9.14
